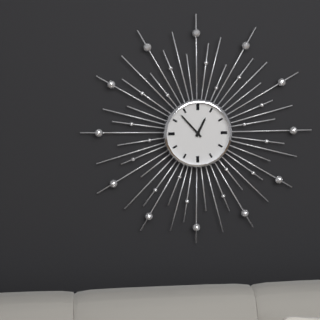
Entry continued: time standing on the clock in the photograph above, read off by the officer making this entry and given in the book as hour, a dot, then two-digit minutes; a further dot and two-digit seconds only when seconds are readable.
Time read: 12.53
